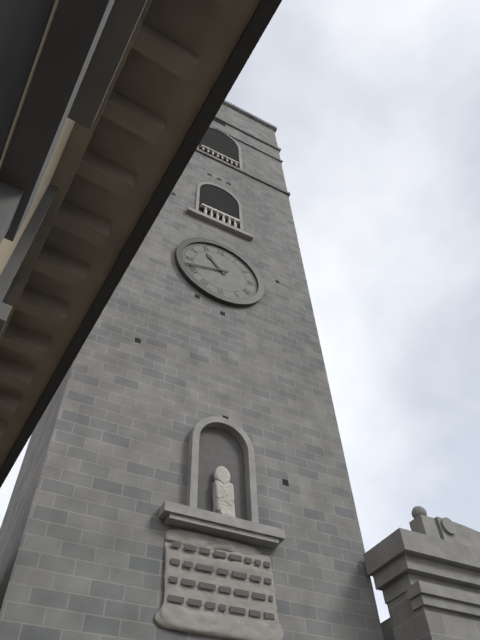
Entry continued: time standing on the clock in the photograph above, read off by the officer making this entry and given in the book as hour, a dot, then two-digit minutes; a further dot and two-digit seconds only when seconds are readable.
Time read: 10.42
